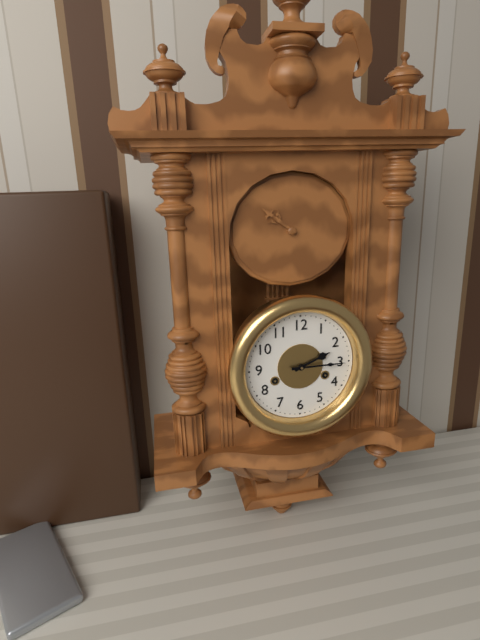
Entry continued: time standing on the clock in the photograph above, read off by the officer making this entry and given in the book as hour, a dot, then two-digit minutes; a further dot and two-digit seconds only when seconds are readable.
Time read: 2.15
